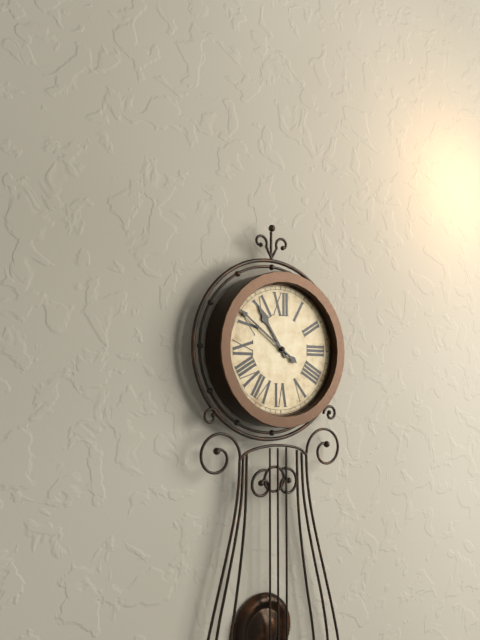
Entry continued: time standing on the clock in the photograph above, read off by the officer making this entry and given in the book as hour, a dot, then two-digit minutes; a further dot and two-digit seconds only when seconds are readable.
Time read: 10.51
